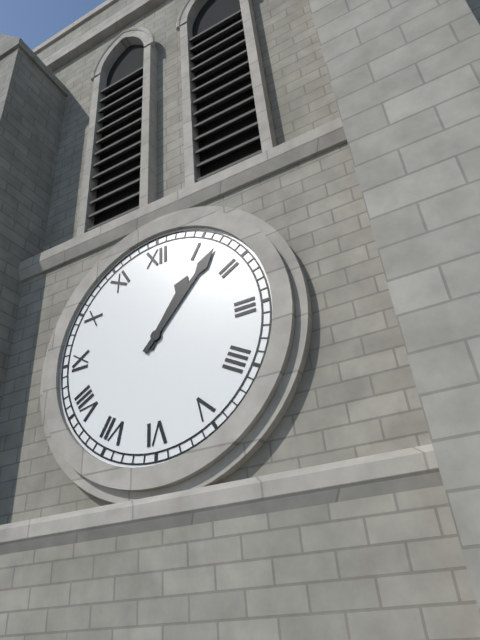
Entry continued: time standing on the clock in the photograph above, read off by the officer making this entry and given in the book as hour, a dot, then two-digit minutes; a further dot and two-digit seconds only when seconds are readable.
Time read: 1.07
